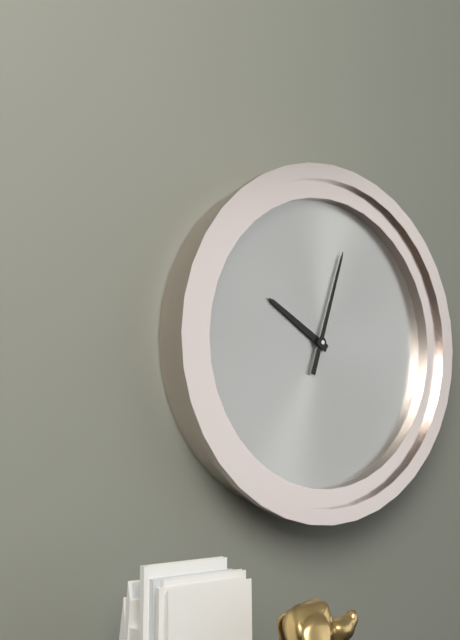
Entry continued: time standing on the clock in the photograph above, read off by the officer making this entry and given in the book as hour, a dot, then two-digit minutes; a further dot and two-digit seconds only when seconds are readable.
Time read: 10.03
